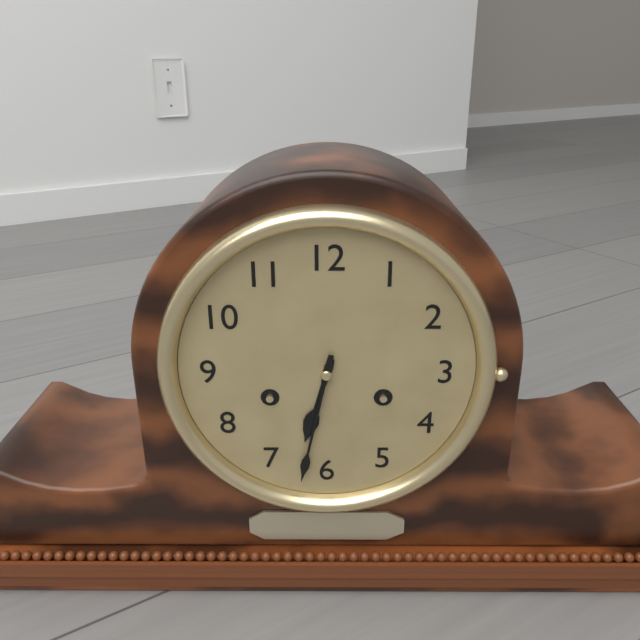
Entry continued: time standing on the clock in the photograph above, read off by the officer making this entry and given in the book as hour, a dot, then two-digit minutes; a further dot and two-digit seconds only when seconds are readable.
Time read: 6.32
